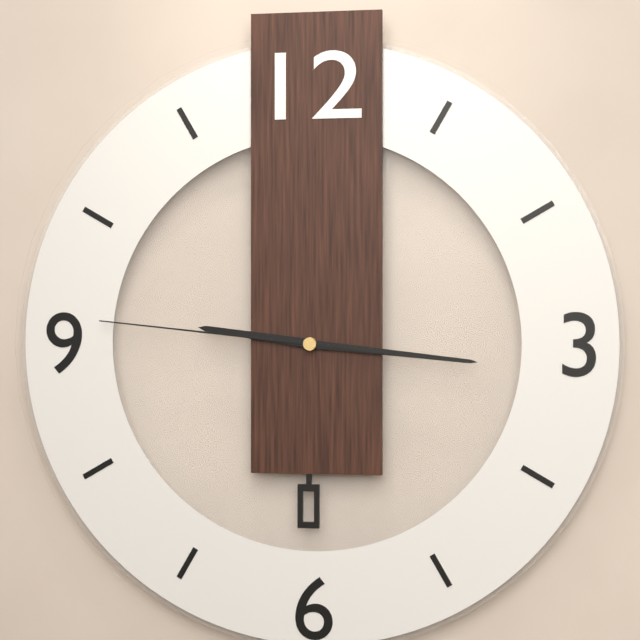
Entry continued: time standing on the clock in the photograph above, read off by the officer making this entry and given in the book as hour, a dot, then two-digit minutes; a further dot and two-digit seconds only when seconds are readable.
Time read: 9.16.46
